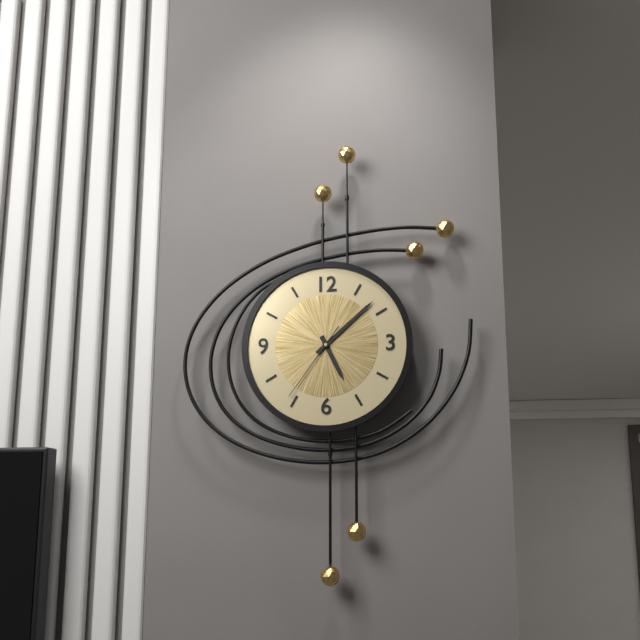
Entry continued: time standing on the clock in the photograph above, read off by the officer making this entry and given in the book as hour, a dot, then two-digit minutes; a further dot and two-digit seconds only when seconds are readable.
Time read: 5.08.36
